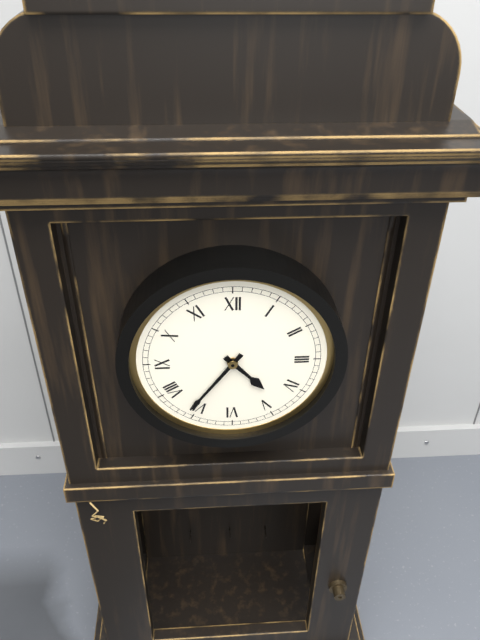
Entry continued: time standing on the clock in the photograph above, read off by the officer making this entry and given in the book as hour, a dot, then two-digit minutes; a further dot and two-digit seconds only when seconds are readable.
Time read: 4.36
